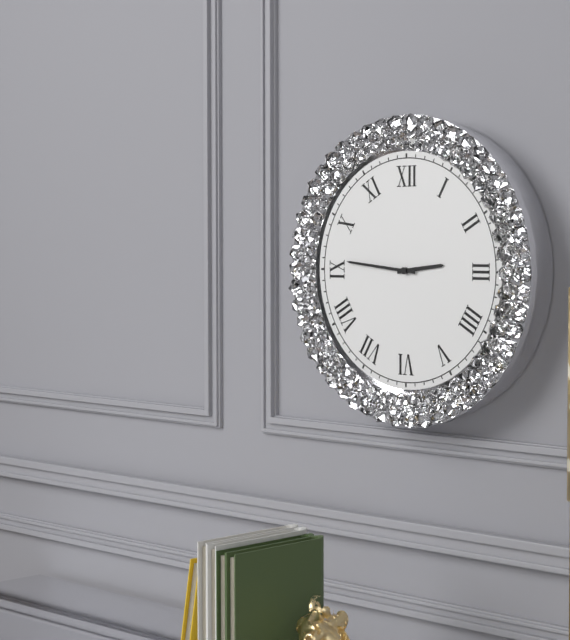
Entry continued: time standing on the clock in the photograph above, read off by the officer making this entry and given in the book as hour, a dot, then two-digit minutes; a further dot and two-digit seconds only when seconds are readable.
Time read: 2.46
